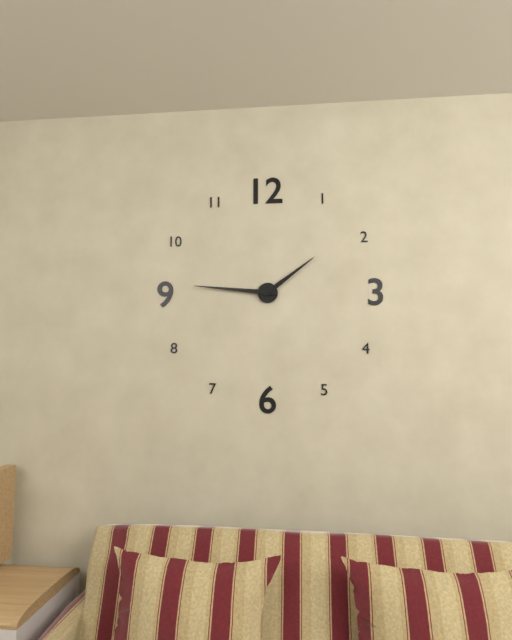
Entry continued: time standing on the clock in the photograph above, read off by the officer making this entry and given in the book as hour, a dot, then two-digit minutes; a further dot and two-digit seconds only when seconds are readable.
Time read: 1.46
